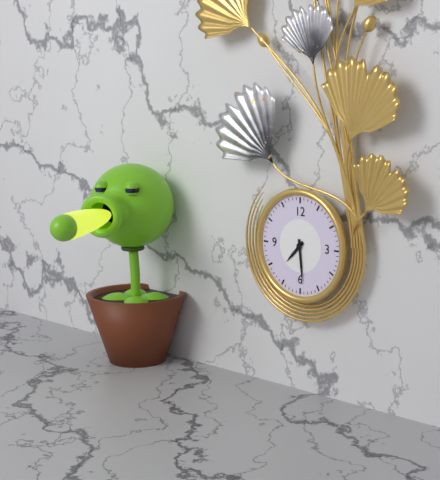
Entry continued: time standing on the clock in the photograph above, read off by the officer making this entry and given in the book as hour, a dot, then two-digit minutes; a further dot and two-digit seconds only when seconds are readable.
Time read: 7.29
